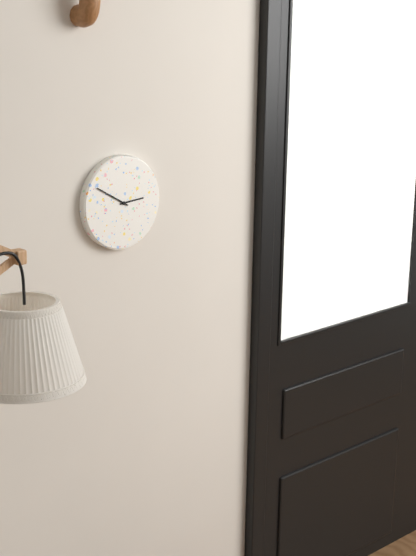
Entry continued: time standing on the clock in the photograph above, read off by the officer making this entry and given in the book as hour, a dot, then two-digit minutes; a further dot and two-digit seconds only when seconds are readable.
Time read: 2.50
